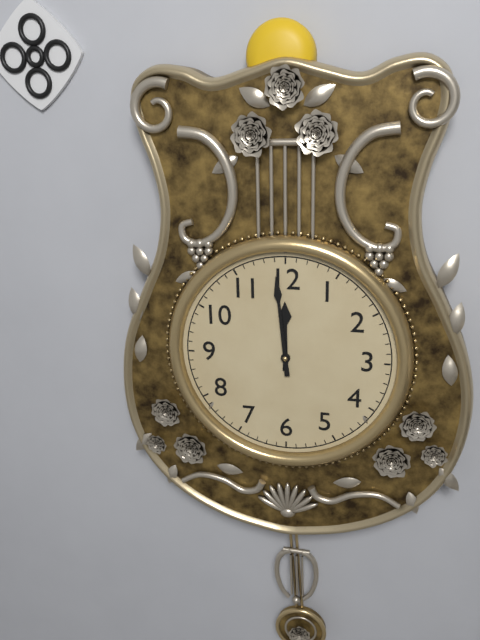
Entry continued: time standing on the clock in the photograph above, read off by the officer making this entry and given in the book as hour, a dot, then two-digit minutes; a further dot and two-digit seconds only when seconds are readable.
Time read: 11.59
